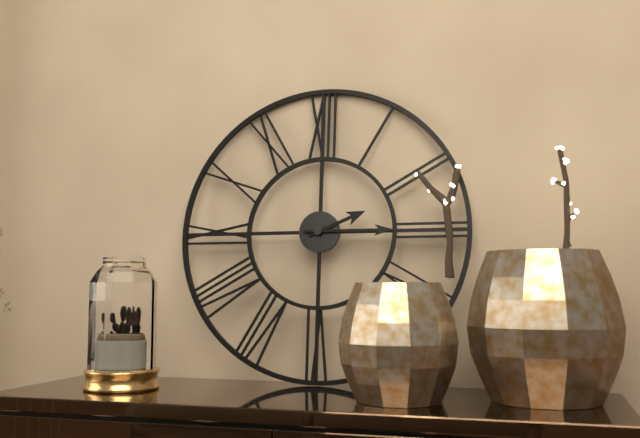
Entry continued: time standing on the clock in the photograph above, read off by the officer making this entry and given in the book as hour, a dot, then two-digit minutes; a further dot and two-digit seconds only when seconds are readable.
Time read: 2.15
